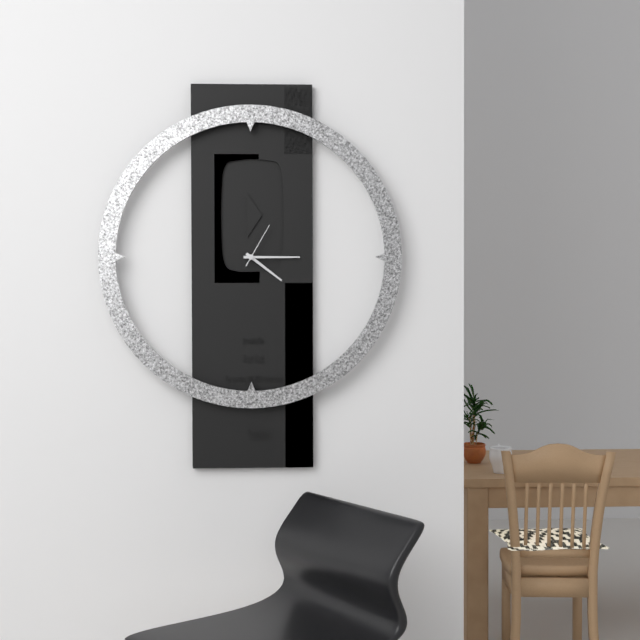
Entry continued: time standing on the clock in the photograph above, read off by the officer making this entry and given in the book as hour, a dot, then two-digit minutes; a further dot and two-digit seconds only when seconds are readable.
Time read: 4.15
